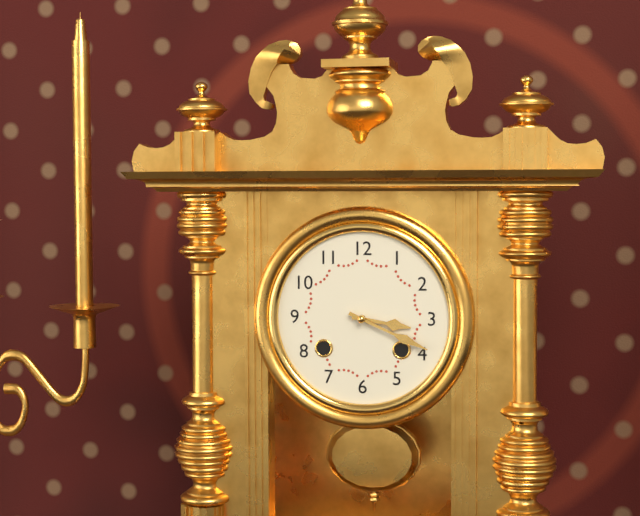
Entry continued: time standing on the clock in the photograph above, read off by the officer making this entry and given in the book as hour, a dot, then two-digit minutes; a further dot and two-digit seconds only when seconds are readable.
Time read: 3.19
